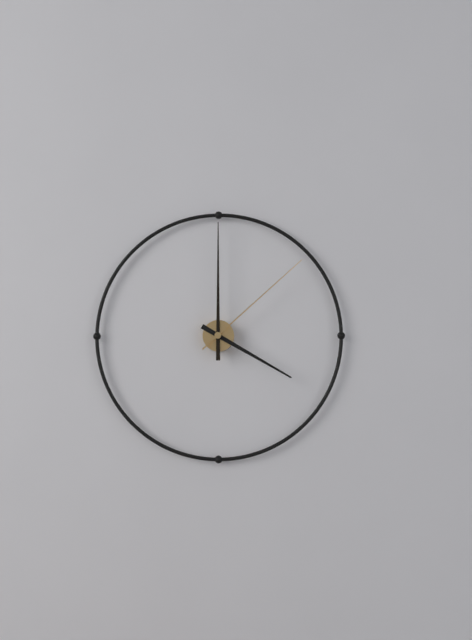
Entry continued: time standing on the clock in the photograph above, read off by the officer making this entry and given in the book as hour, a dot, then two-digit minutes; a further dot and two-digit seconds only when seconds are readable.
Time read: 4.00.08
